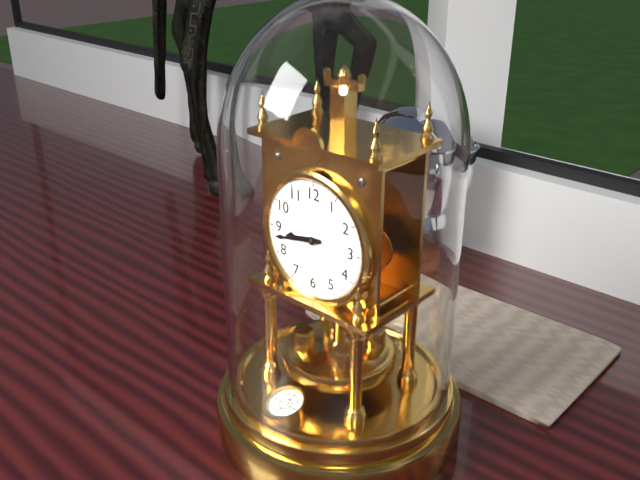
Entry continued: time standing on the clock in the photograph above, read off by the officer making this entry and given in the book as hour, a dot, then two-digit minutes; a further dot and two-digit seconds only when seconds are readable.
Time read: 8.43
